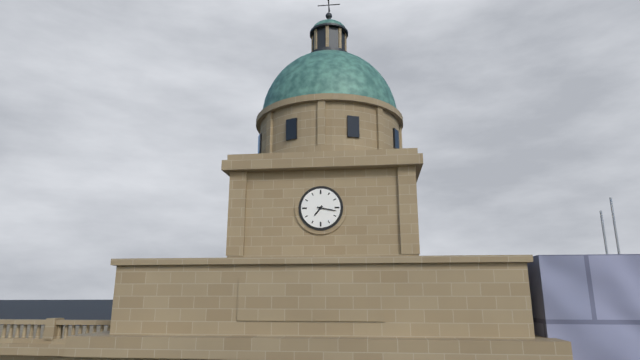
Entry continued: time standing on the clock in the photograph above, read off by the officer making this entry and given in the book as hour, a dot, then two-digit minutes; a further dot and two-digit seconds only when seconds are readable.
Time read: 7.17
